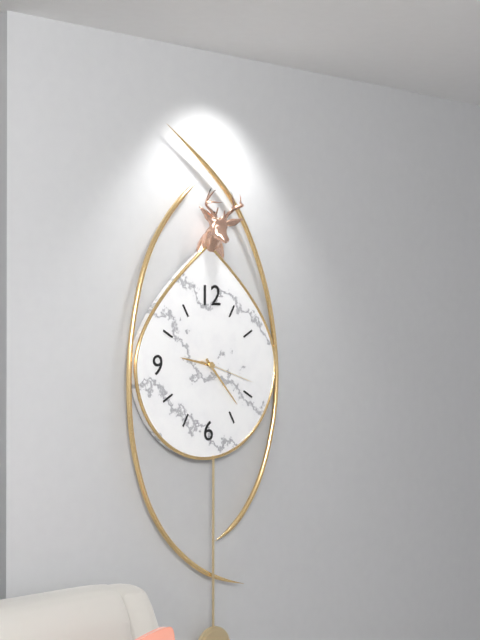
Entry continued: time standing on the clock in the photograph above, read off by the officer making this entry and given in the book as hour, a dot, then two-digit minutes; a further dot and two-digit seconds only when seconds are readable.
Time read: 9.23.18
